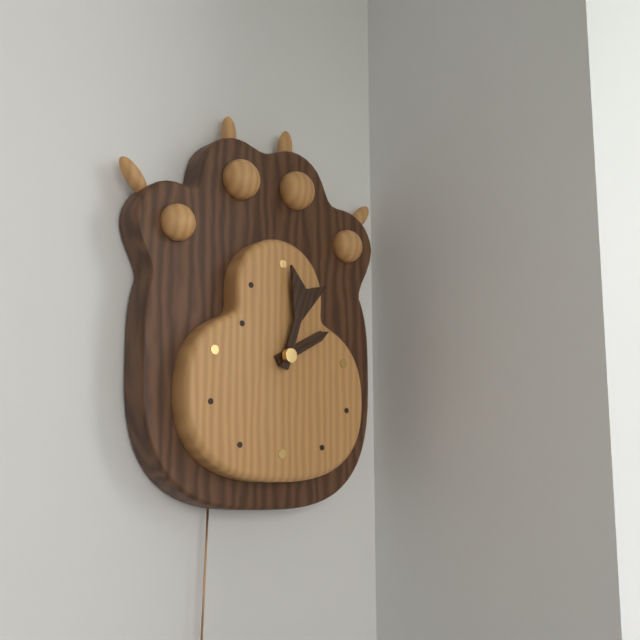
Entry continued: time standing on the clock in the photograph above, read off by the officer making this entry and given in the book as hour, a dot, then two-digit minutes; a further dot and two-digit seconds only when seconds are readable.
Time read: 2.03
